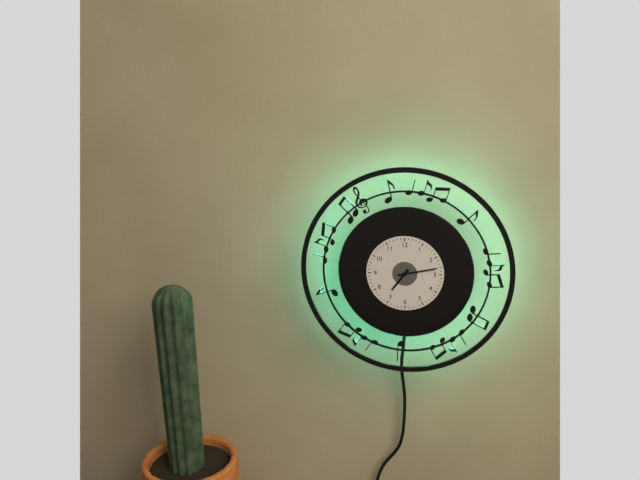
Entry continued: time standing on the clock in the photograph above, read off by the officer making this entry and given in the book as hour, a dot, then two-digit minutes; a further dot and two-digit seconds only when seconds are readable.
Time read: 7.13
